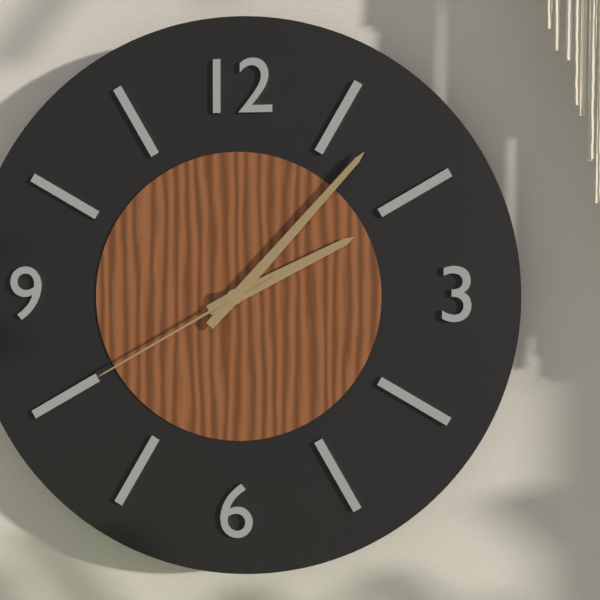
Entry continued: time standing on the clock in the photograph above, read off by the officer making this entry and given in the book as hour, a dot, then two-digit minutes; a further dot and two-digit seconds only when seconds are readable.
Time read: 2.07.40
